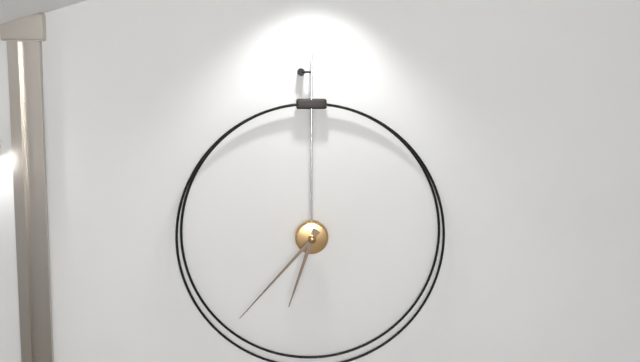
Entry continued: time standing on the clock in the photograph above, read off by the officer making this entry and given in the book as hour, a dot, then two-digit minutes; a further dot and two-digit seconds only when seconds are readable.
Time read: 6.37
